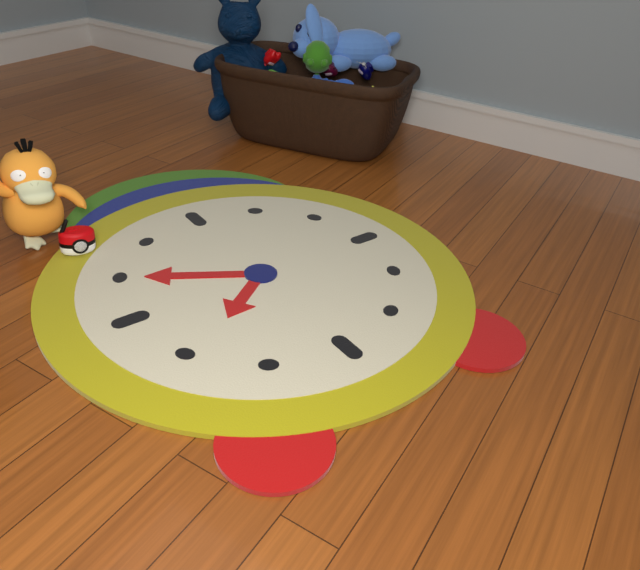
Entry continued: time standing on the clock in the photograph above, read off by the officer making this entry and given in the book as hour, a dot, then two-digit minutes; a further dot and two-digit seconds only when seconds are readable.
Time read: 7.50
